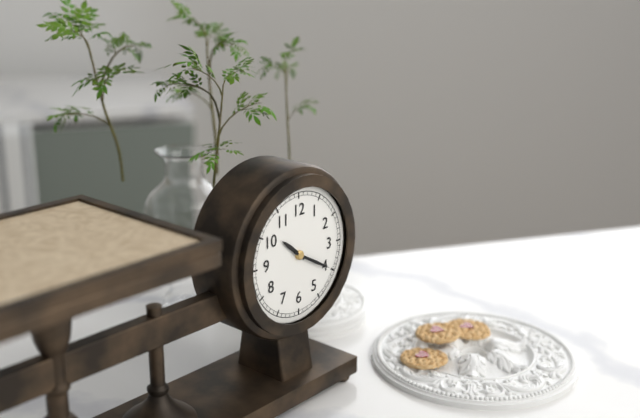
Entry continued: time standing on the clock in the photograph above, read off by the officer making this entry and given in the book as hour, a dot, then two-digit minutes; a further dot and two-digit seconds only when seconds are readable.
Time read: 10.20
